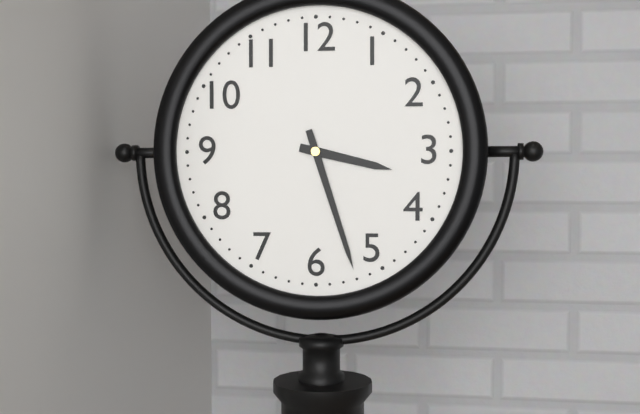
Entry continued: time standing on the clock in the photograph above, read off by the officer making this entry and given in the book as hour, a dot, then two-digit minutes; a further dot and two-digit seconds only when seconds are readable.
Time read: 3.27
